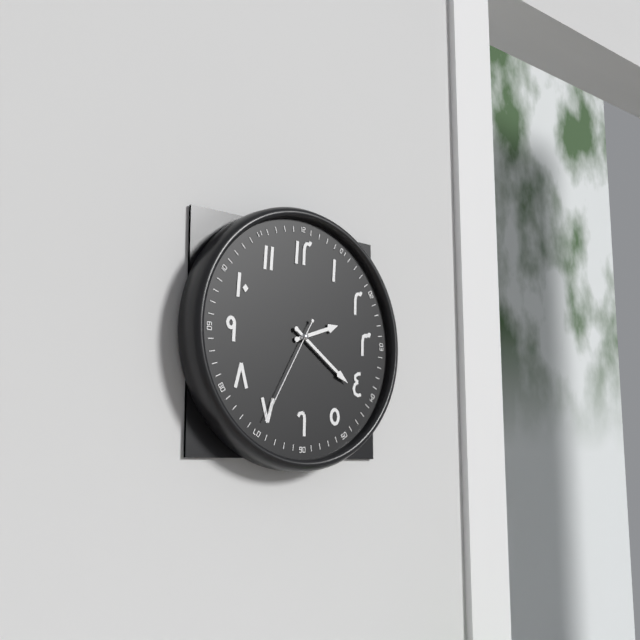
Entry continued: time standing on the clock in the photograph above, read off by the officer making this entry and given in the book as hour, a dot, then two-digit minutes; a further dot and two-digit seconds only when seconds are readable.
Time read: 2.21.35
